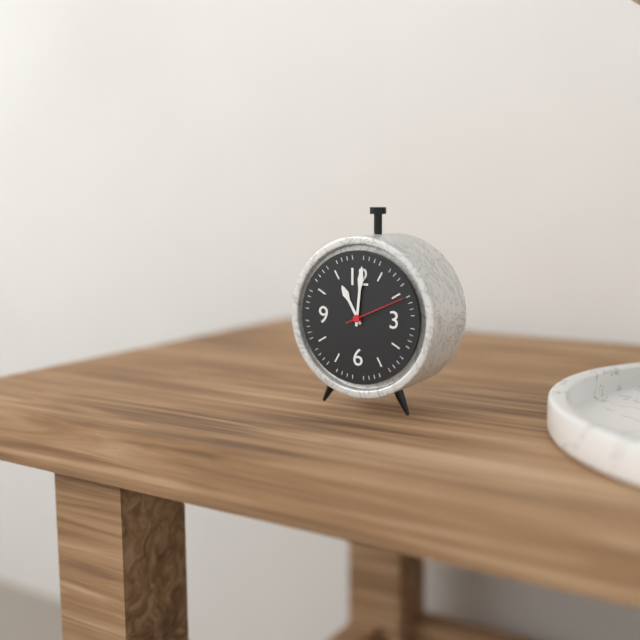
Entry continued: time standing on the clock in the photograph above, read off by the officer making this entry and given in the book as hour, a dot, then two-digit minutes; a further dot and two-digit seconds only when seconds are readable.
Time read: 11.01.11
